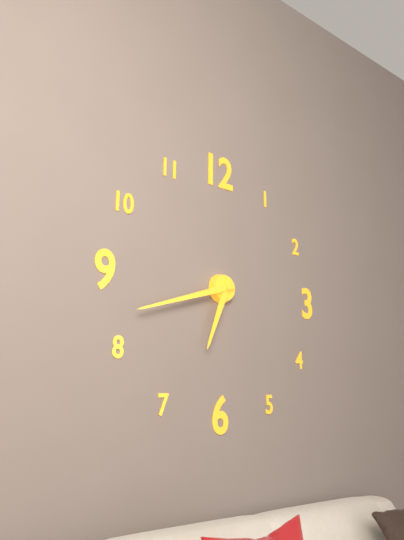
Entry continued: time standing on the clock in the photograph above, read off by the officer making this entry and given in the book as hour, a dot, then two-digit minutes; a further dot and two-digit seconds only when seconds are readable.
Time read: 6.42
